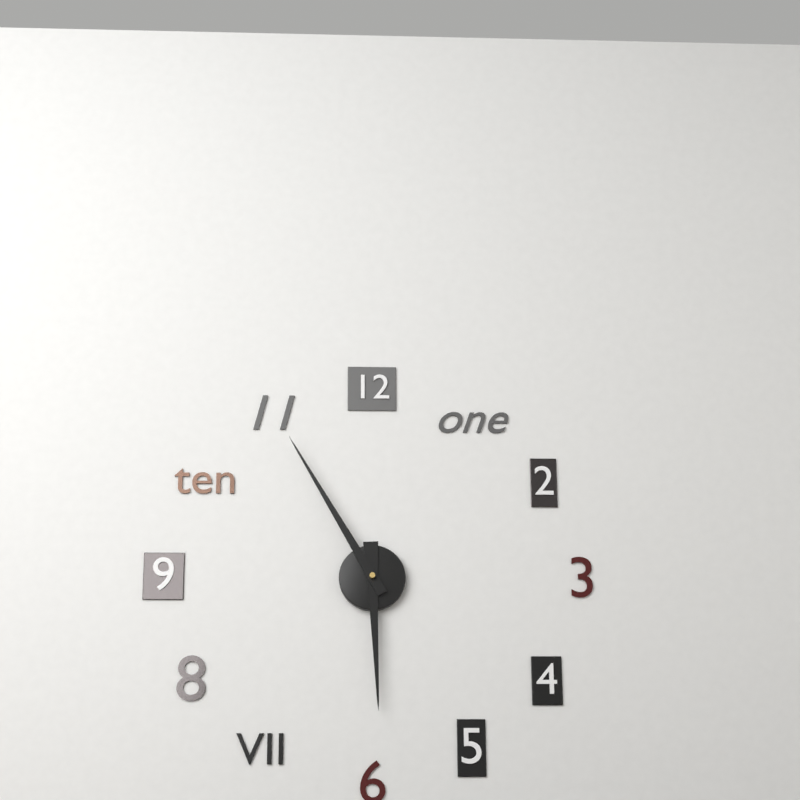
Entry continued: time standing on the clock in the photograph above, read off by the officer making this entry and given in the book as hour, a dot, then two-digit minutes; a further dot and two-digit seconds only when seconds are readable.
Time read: 5.55
